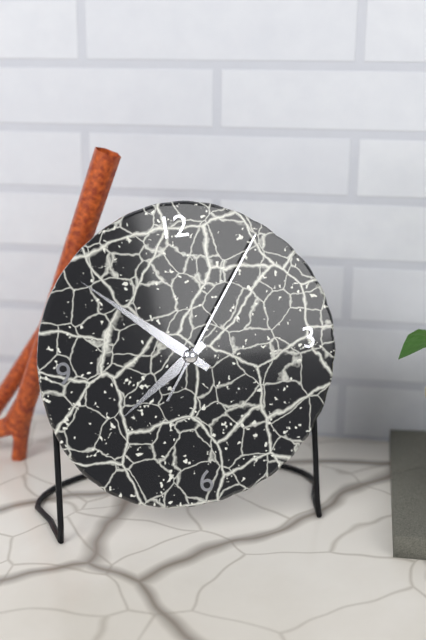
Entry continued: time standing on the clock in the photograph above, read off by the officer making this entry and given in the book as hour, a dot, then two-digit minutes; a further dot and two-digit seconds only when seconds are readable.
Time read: 7.52.06
